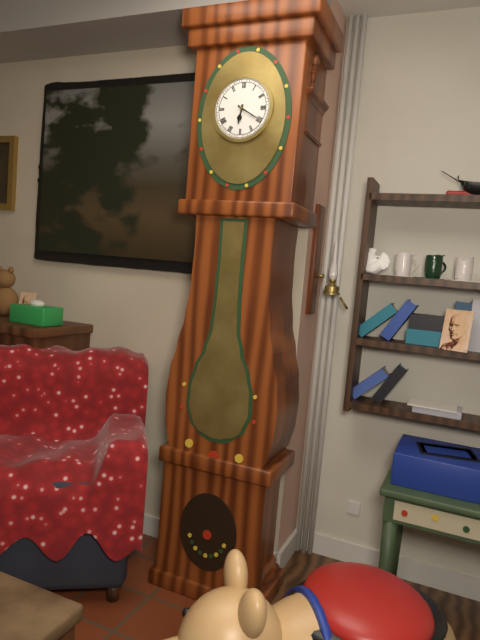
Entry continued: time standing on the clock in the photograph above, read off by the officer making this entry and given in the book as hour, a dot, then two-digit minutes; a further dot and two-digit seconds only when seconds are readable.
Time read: 6.20
